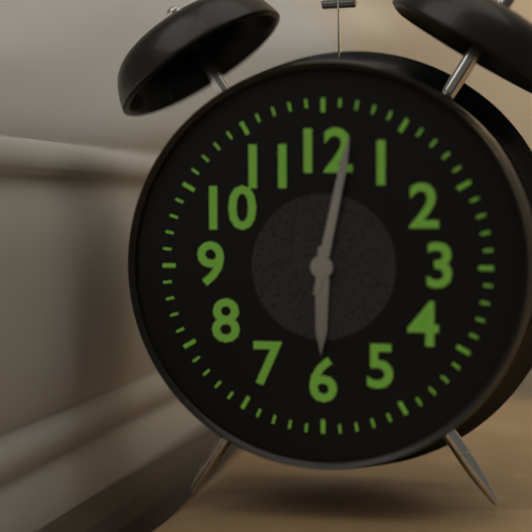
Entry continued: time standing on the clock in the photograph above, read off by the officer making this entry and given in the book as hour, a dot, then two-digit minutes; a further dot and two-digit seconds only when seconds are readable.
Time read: 6.02
